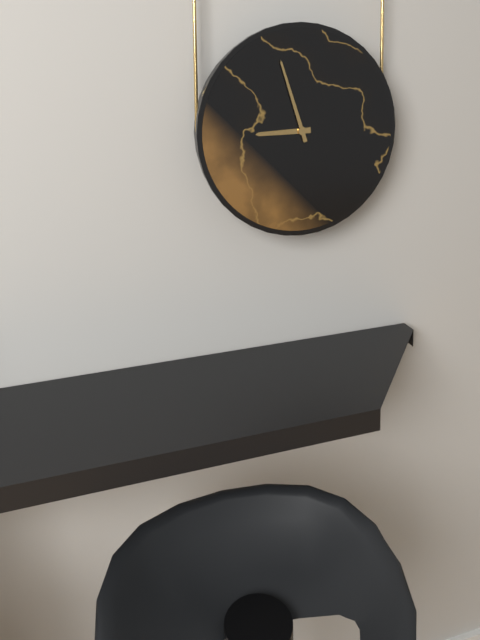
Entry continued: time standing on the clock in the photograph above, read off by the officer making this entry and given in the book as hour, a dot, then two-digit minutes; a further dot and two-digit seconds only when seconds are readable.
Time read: 8.57
